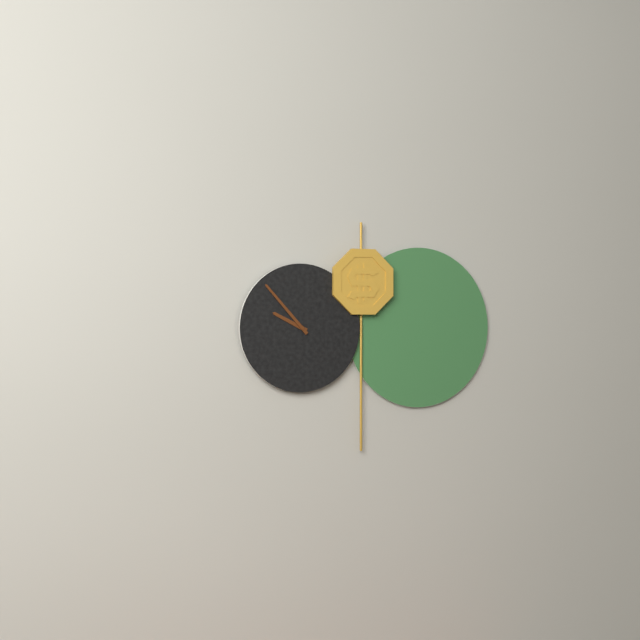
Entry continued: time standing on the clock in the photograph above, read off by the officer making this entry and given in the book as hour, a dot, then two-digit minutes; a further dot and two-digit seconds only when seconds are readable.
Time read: 9.53
